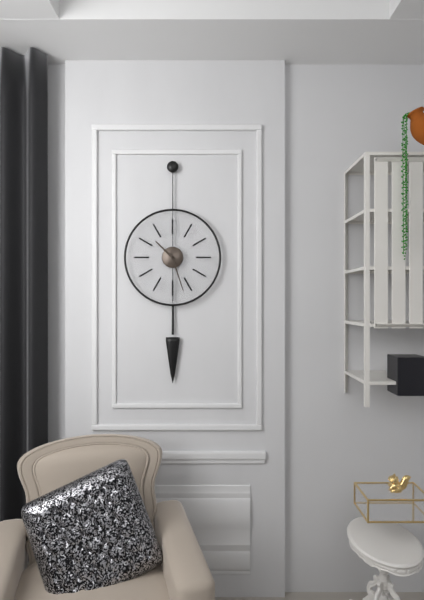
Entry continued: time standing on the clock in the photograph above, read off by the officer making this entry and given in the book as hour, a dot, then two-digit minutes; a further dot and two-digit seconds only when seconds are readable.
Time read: 10.27
